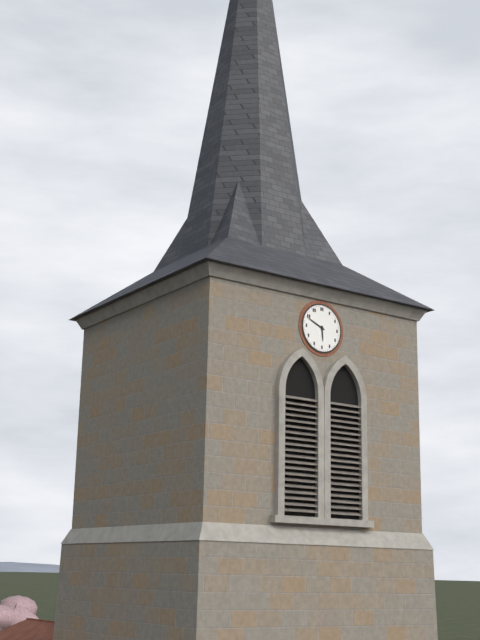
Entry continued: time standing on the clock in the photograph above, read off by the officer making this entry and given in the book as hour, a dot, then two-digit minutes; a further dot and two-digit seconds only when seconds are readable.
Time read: 5.49
